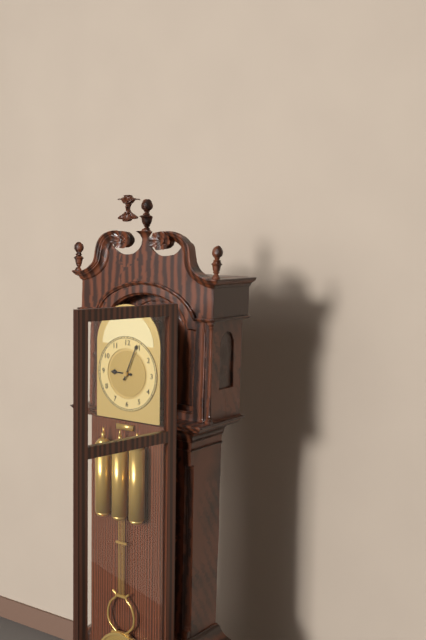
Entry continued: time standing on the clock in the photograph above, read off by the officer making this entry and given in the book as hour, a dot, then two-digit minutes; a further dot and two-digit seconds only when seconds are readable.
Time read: 9.04
